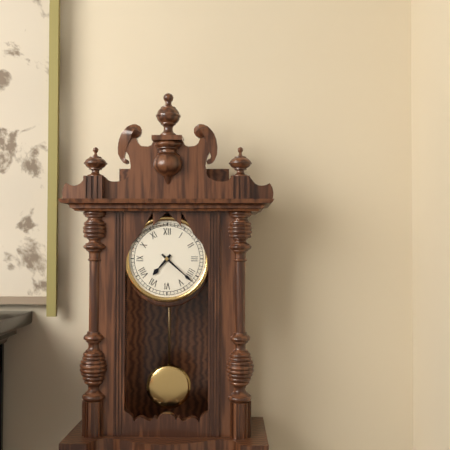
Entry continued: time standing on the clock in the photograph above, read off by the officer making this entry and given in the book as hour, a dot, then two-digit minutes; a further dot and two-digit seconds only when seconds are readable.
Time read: 7.22
